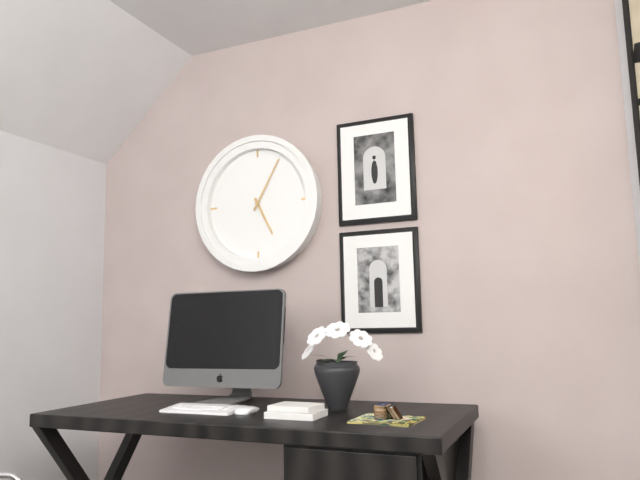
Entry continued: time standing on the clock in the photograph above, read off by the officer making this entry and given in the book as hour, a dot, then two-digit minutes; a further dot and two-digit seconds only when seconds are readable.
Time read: 5.05
